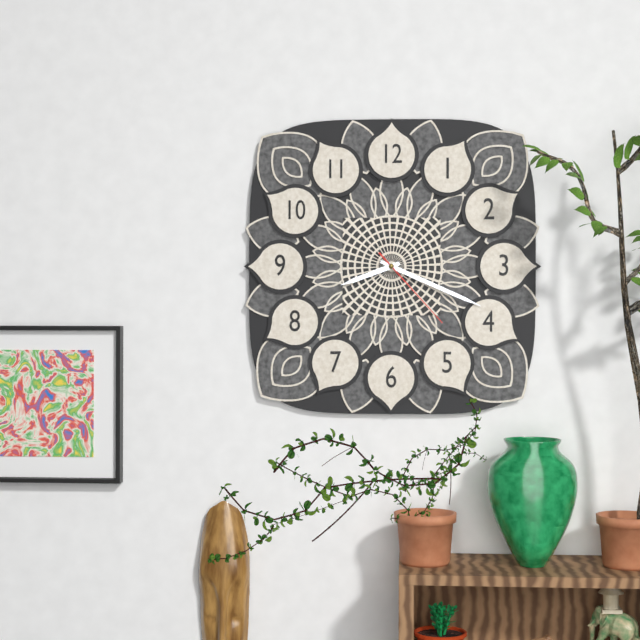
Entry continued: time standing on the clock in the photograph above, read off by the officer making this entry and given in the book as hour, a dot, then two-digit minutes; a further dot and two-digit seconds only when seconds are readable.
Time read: 8.19.23
